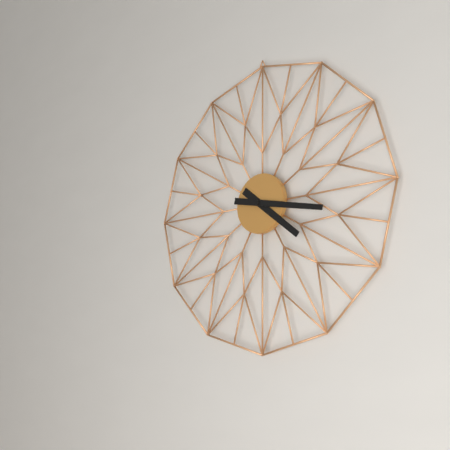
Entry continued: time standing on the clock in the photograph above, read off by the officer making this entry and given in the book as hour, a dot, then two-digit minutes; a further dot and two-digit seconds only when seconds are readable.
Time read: 4.17
